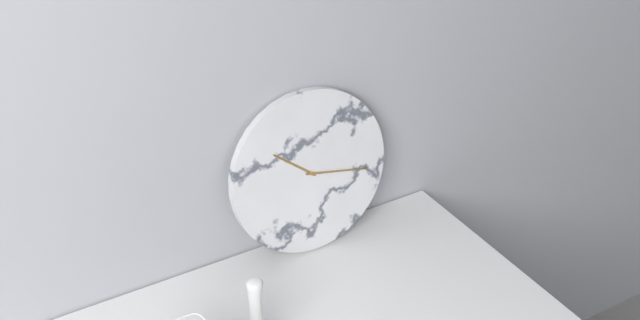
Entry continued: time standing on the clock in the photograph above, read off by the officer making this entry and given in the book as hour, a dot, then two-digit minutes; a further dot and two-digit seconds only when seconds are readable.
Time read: 10.17
